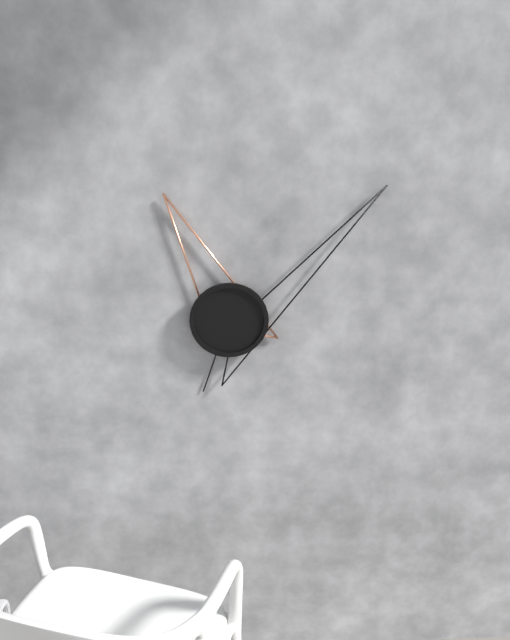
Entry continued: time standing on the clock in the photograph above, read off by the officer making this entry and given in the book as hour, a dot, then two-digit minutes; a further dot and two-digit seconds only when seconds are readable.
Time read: 11.08.33
